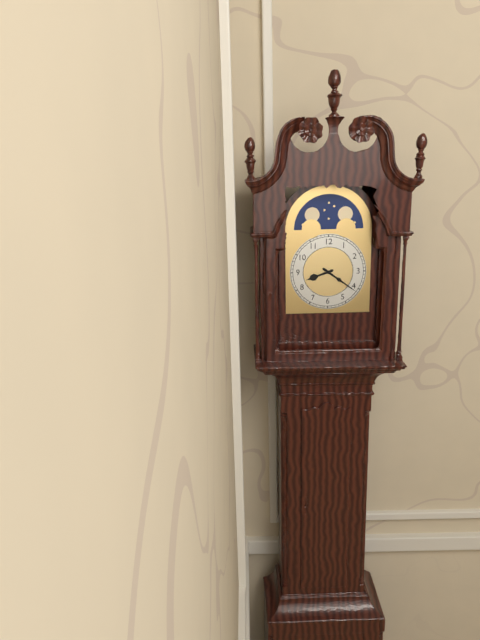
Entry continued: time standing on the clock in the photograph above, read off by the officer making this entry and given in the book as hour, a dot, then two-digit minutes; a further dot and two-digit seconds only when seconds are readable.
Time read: 8.21
